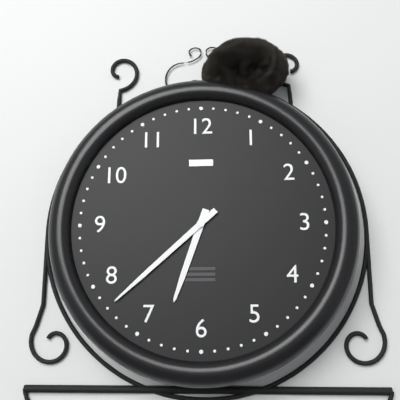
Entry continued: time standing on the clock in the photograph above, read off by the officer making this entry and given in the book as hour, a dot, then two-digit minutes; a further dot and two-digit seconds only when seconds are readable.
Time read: 6.38
